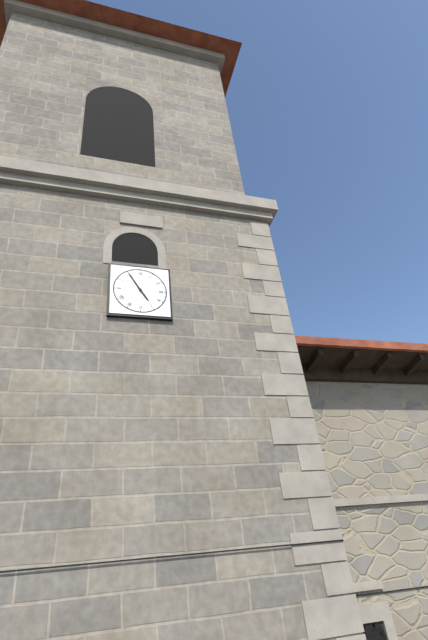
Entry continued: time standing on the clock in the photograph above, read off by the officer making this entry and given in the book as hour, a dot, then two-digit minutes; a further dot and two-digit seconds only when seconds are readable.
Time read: 4.55
